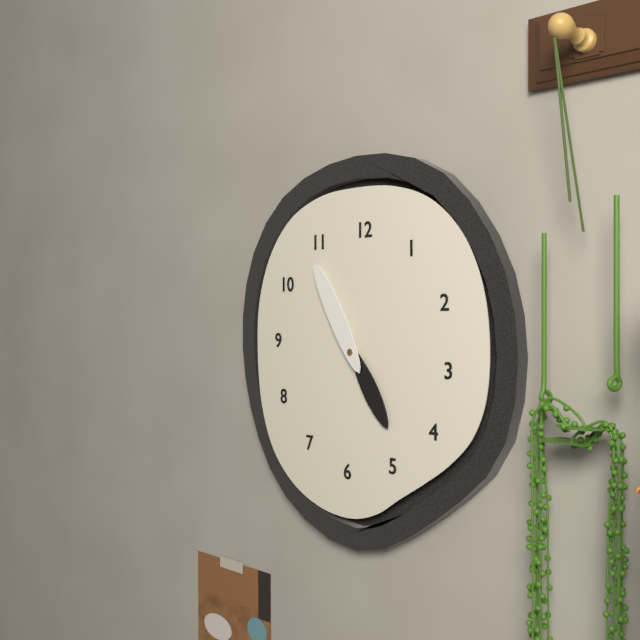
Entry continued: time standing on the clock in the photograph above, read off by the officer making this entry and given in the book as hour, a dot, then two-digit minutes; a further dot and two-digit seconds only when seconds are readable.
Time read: 4.55
